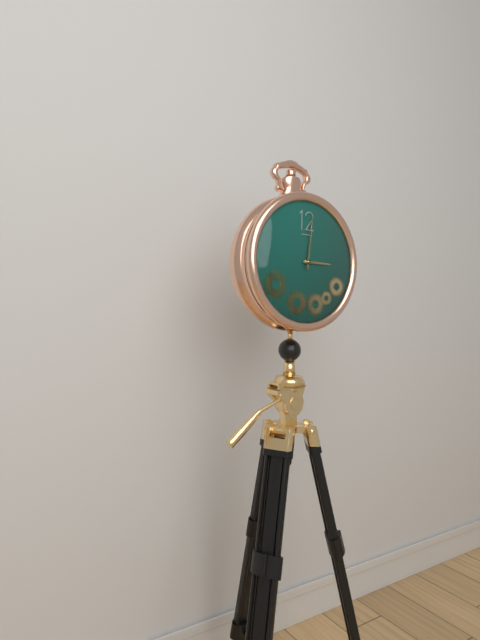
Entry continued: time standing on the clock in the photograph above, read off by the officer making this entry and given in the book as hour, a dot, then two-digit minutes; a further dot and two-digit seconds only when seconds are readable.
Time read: 3.01
